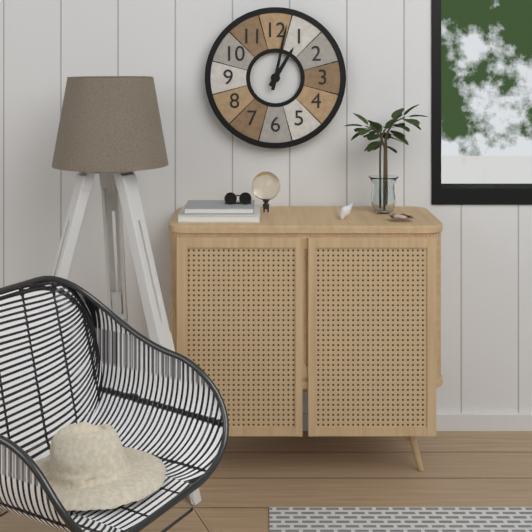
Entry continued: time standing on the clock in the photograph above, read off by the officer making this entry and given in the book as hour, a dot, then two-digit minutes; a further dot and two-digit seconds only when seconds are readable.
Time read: 1.02
